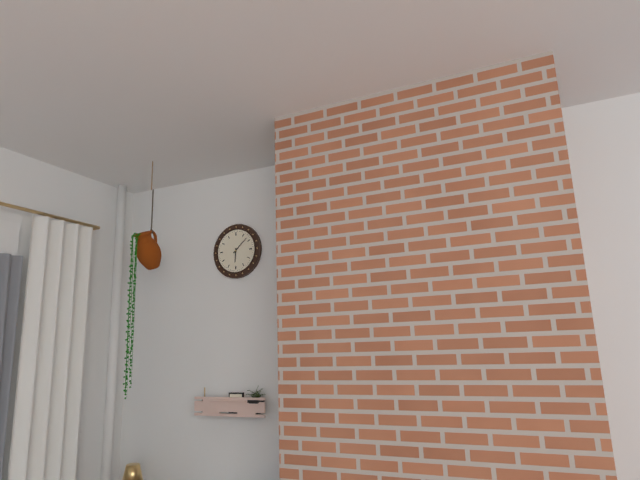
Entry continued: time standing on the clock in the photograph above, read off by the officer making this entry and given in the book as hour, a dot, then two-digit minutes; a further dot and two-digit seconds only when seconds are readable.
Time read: 6.08
